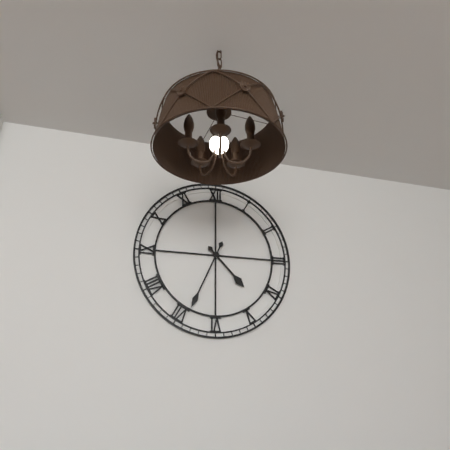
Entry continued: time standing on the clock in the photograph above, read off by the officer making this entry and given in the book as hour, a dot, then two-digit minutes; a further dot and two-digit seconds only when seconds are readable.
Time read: 4.34
